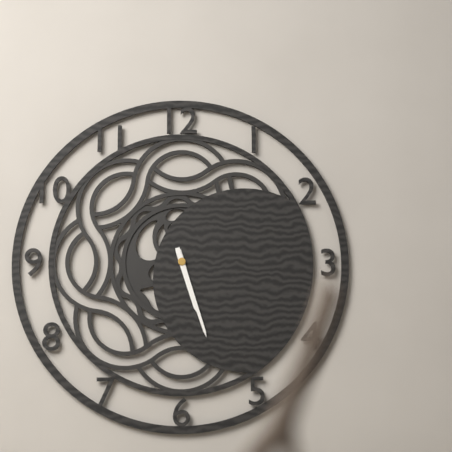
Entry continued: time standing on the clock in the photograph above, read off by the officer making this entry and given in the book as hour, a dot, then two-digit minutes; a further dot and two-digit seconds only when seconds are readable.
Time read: 5.27
